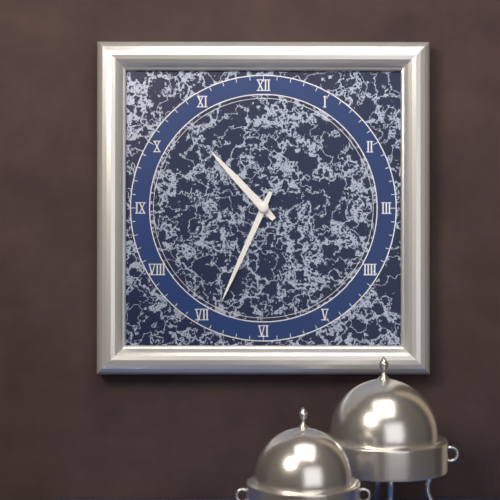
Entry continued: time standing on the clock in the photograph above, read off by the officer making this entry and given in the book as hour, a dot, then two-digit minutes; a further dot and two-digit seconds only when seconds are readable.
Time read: 10.34
